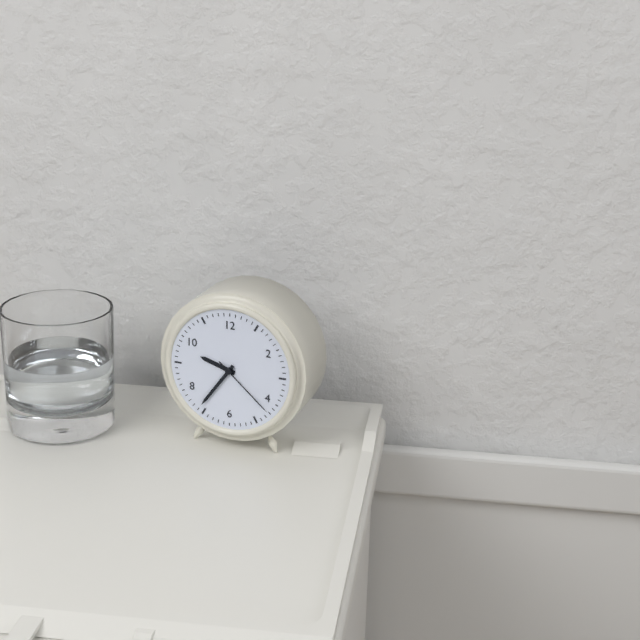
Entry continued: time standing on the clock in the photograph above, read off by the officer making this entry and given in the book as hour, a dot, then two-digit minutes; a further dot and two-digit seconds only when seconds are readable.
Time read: 9.36.22
